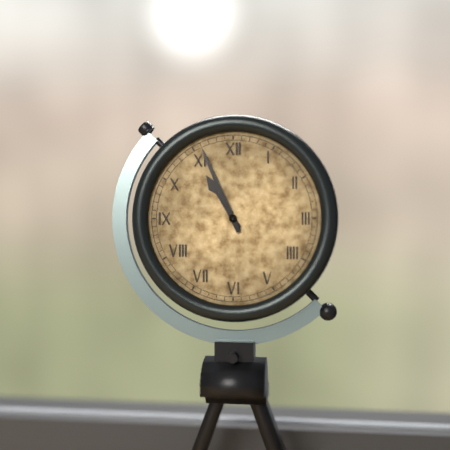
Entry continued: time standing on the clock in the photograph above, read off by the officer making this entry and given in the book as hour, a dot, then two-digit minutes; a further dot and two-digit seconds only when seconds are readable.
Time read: 10.56
